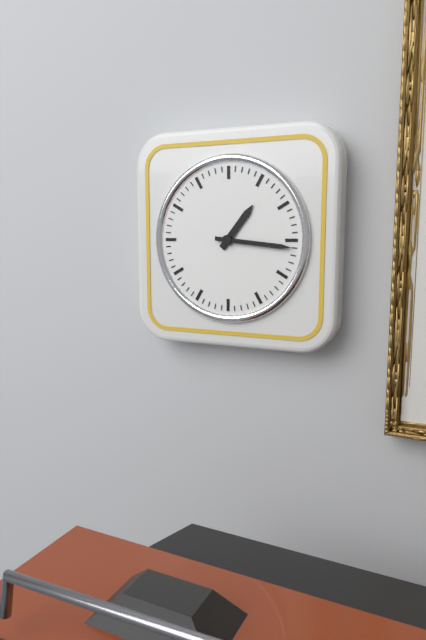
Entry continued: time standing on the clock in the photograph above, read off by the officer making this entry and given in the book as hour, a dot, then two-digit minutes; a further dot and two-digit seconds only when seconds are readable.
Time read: 1.16
